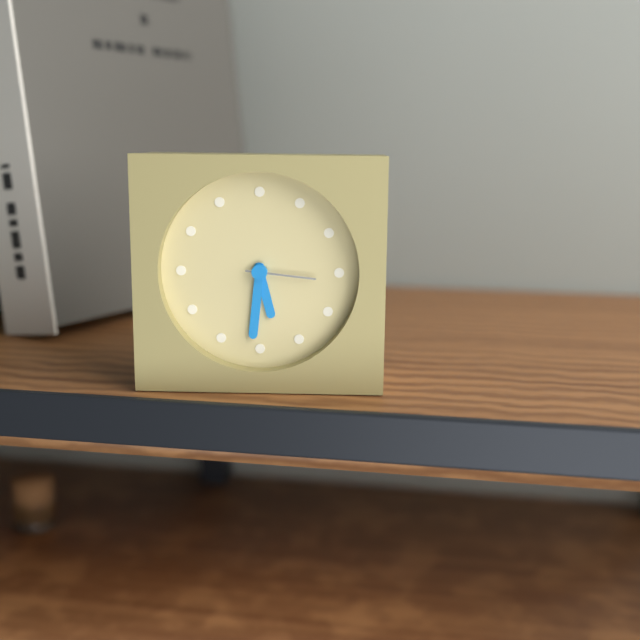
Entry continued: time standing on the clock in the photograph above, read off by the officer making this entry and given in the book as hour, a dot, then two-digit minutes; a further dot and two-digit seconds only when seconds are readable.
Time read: 5.31.16
